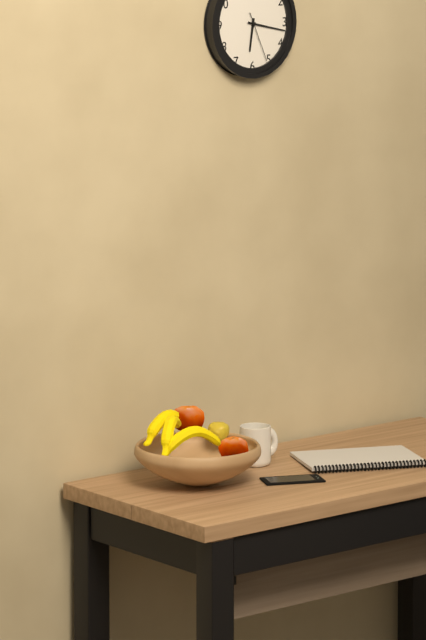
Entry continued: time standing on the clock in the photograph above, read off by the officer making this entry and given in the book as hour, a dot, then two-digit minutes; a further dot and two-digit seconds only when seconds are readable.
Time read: 6.17
